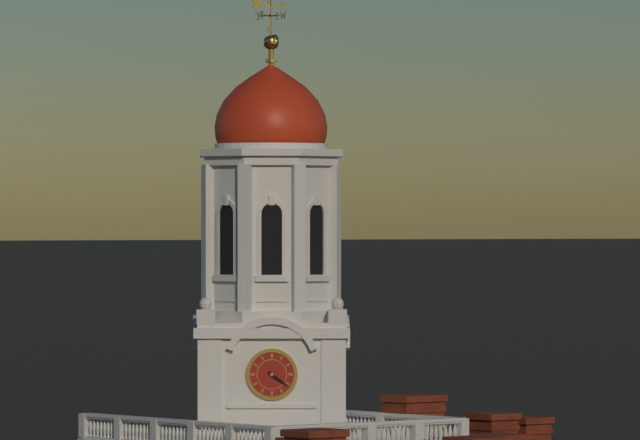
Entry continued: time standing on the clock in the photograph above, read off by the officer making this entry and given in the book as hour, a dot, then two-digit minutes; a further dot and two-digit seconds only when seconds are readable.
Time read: 4.21
